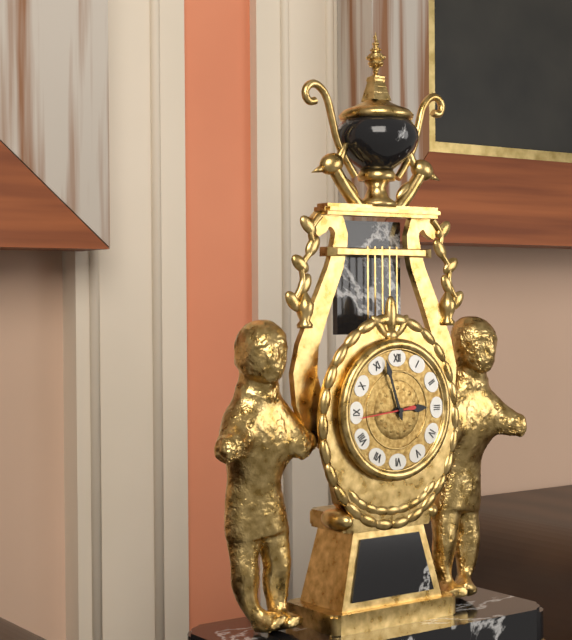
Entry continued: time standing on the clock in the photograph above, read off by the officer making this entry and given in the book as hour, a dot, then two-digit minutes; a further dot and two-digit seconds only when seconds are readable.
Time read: 2.57.44
